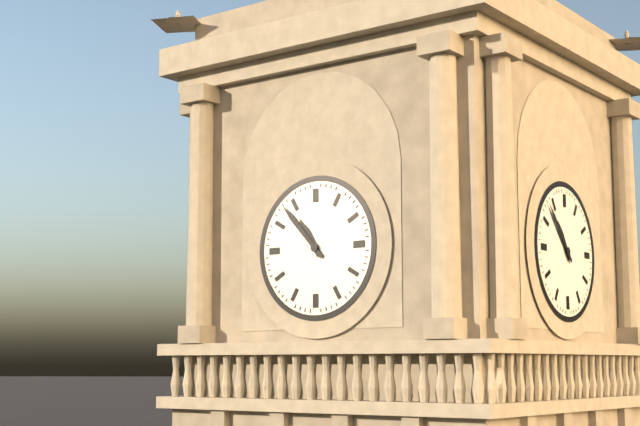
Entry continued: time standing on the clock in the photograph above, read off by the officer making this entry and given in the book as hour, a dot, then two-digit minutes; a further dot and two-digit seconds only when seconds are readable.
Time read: 10.53
